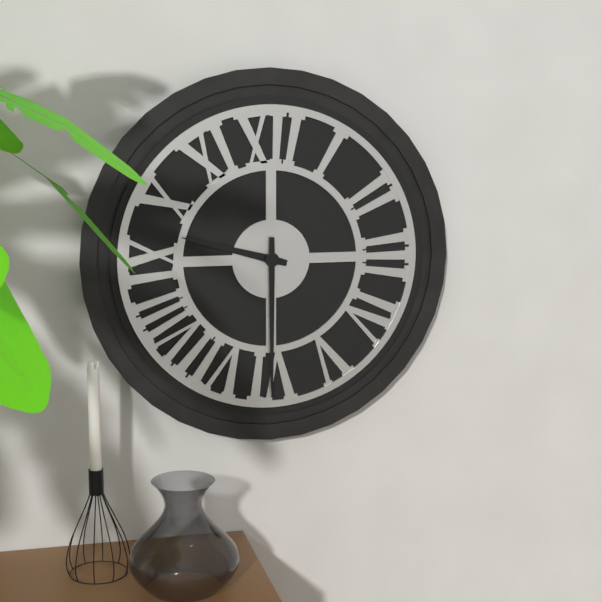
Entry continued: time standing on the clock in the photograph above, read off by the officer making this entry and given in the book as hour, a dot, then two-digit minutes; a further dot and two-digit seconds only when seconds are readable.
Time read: 9.30
